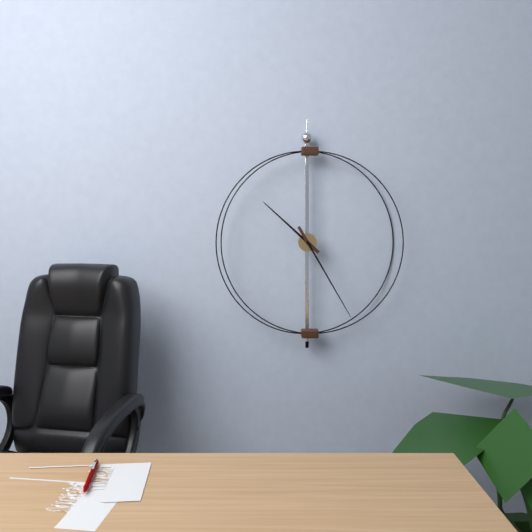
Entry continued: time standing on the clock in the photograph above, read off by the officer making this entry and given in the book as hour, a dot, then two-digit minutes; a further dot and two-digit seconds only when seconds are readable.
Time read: 10.25
